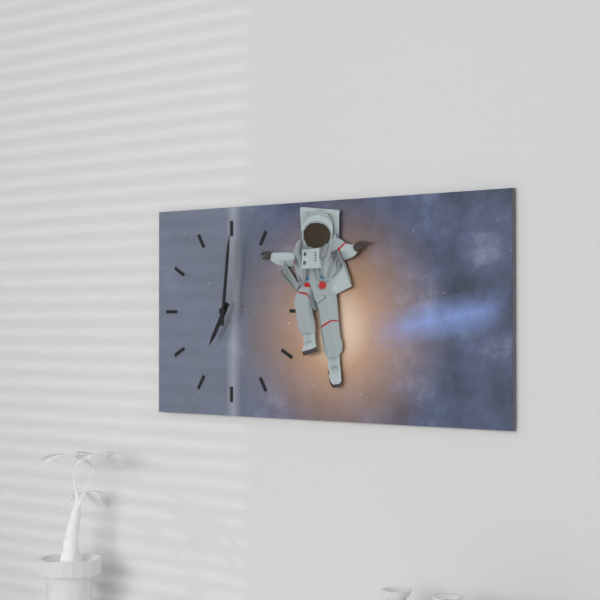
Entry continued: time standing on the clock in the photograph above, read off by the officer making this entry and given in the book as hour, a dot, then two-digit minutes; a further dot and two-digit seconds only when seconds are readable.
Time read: 7.01
